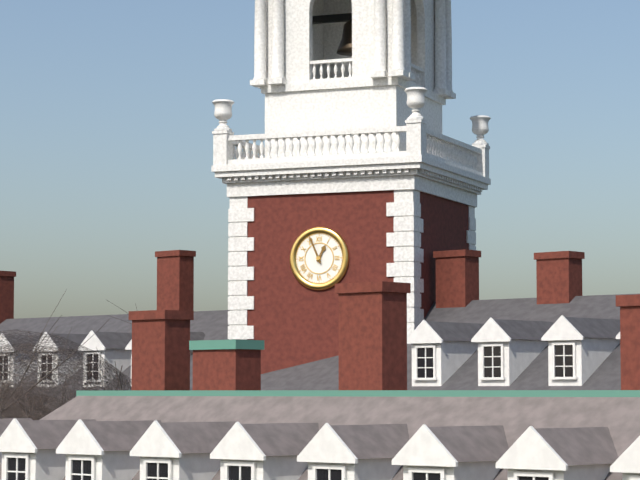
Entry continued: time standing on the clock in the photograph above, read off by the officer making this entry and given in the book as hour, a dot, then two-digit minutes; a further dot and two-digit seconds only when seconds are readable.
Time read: 12.56
